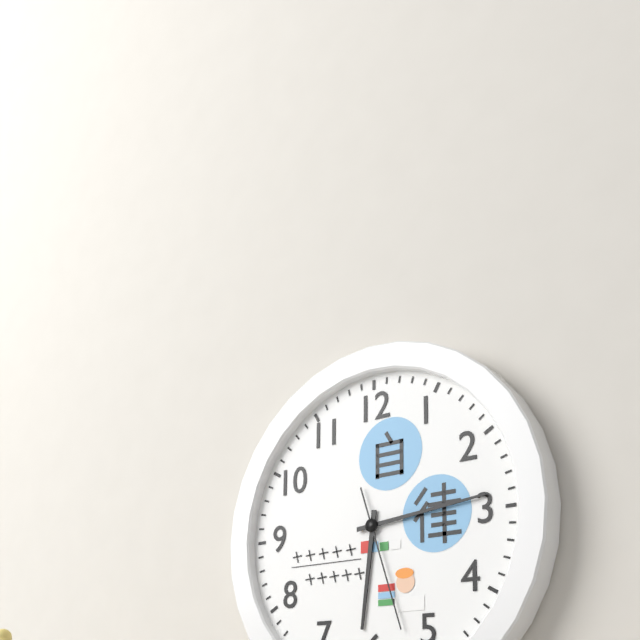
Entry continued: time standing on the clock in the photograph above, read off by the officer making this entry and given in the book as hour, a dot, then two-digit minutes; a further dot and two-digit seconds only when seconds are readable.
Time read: 6.14.27
